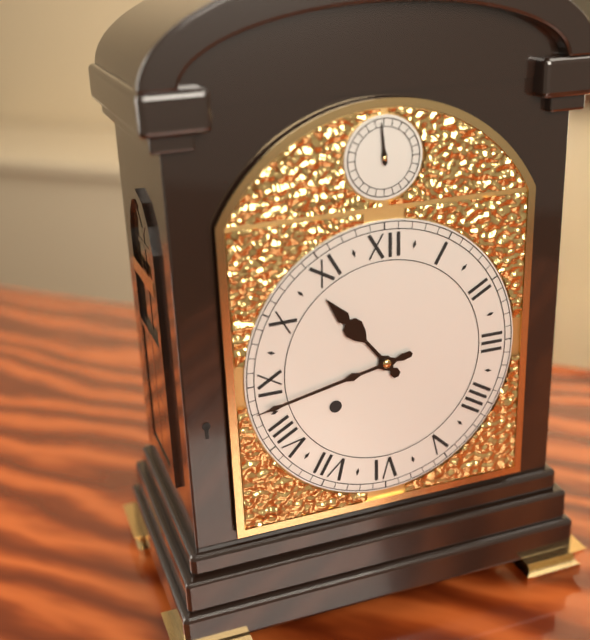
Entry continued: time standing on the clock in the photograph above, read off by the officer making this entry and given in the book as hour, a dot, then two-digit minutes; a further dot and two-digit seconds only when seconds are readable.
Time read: 10.43
